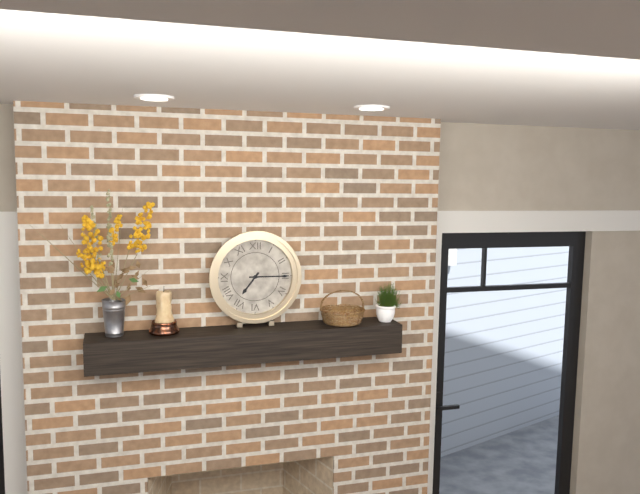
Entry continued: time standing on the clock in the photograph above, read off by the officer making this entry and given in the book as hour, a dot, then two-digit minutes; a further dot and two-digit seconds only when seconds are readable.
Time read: 7.15
